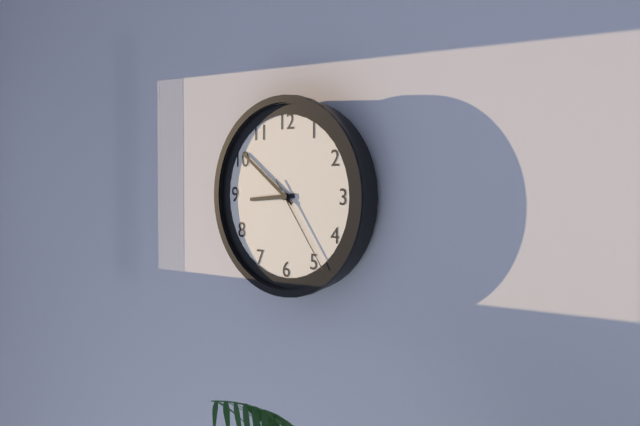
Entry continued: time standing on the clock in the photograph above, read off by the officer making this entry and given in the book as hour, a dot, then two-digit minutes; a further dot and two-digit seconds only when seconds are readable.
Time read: 8.51.24
